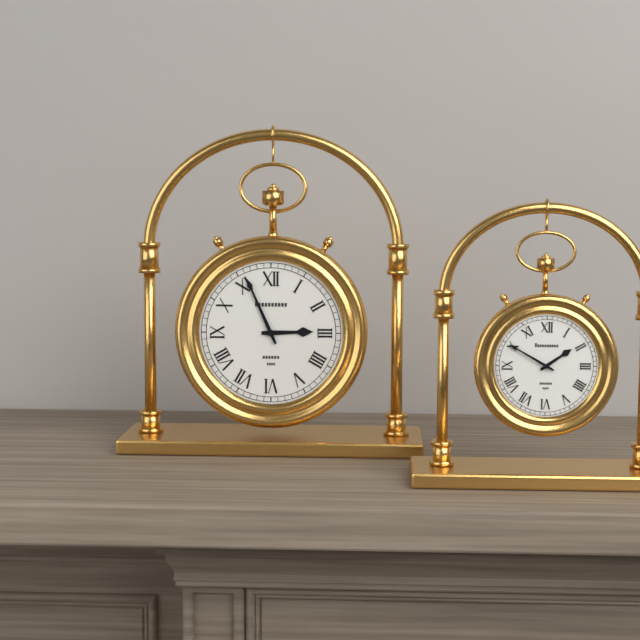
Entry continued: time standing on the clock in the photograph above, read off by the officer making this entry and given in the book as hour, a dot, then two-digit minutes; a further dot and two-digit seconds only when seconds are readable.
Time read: 2.56
